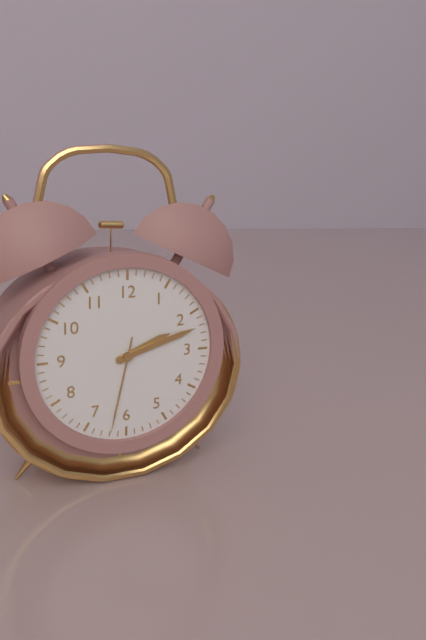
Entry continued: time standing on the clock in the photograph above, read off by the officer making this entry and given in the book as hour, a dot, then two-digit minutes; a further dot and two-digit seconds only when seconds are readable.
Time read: 2.12.32
